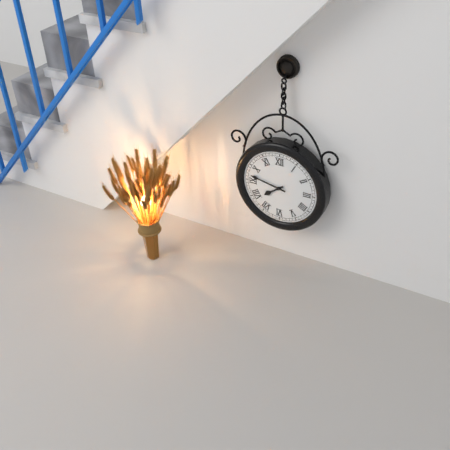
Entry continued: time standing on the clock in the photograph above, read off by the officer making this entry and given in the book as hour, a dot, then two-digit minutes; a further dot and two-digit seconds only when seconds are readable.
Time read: 7.47
